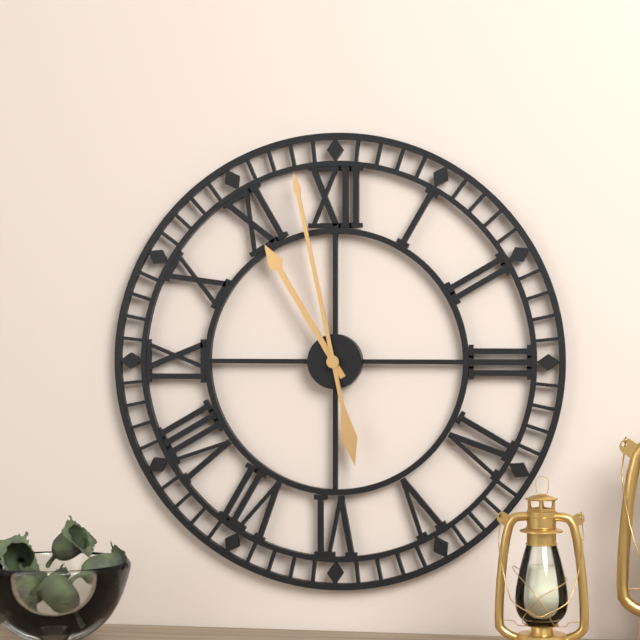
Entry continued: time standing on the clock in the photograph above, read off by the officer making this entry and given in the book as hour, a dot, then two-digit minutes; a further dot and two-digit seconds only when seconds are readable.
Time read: 10.58
